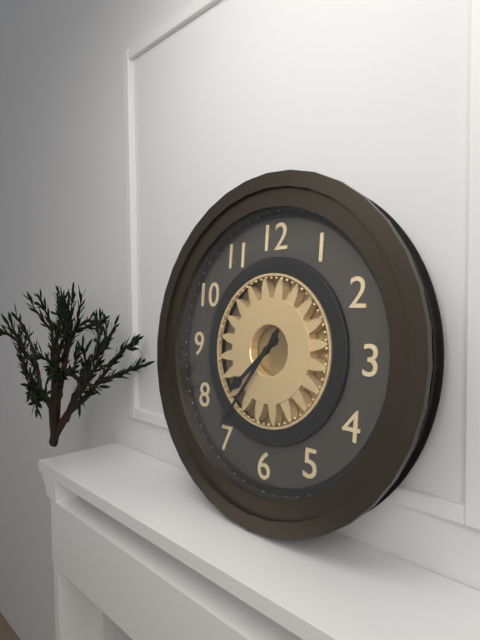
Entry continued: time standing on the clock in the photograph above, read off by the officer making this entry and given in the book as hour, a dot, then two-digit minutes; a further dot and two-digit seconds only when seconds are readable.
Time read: 7.36
